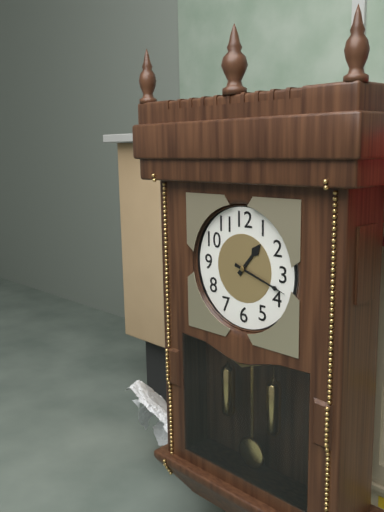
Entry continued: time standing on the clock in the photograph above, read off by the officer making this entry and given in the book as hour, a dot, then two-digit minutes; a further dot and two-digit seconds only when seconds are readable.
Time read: 1.18
